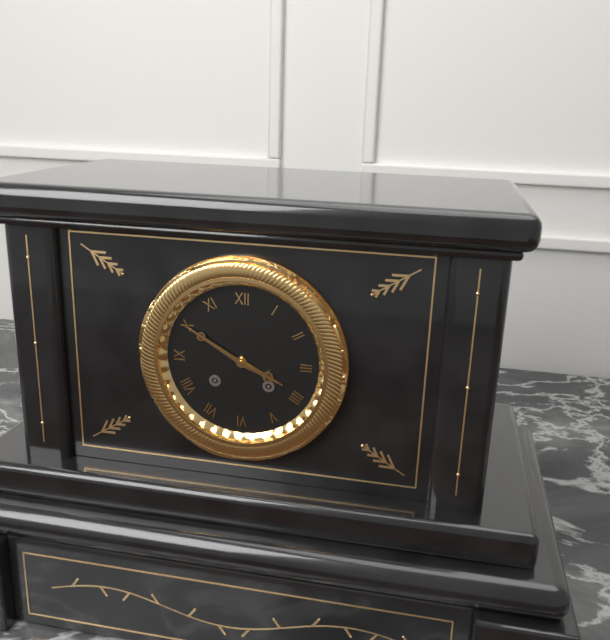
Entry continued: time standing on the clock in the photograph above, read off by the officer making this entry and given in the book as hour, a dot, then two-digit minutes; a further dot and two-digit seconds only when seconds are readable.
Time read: 3.50
